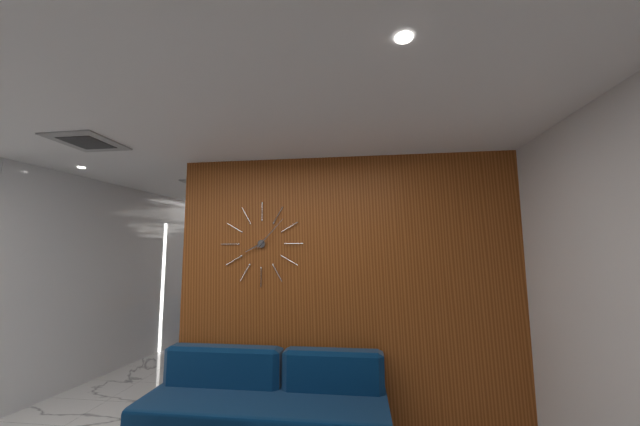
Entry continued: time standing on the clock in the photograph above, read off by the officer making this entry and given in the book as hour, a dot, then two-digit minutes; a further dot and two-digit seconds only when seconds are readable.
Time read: 8.07
